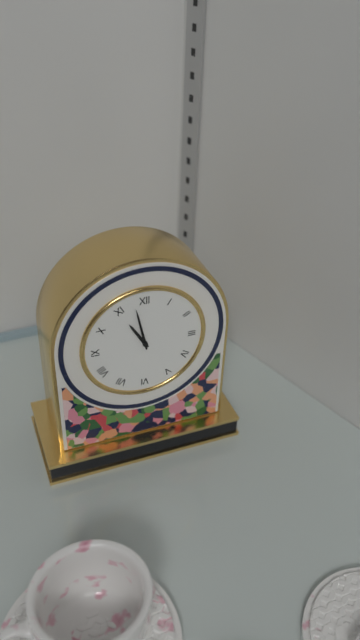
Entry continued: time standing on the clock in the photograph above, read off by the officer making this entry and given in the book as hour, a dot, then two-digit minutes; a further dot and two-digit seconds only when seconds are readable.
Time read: 10.58
